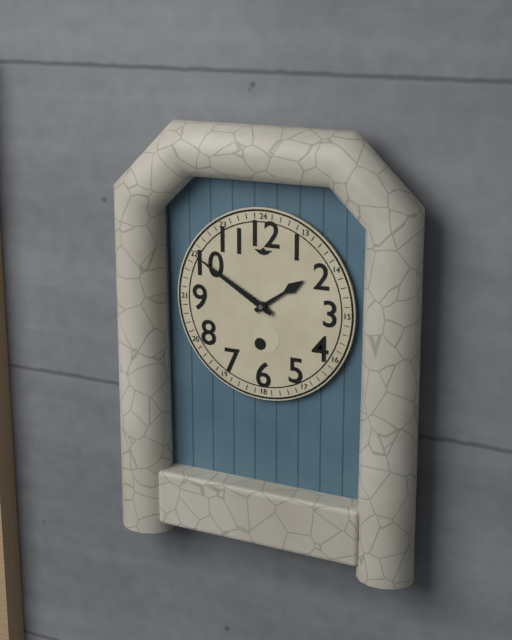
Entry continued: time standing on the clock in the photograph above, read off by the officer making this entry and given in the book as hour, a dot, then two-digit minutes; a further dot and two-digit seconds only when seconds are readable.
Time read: 1.50
